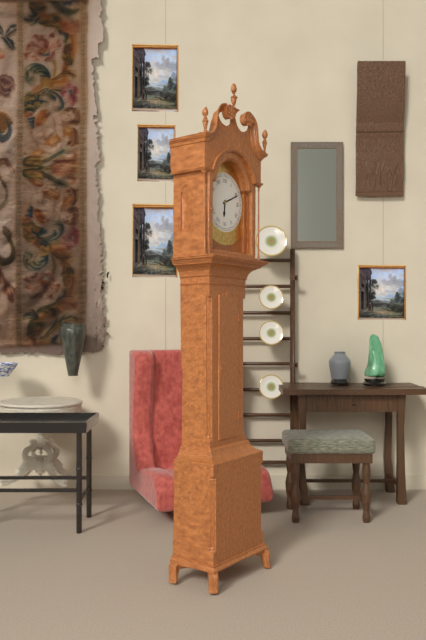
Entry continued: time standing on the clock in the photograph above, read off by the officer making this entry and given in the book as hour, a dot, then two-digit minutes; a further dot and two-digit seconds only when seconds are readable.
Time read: 6.11
